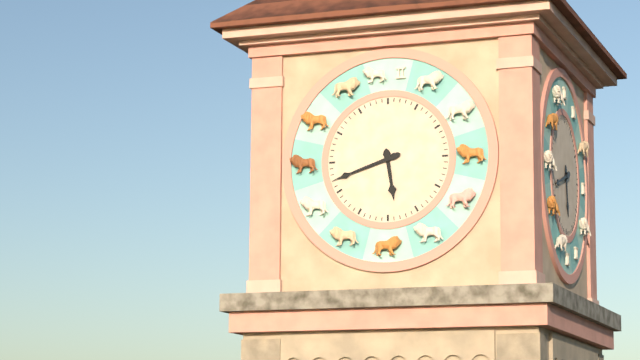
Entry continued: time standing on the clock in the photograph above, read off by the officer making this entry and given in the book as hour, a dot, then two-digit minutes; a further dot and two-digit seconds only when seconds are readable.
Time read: 5.42
